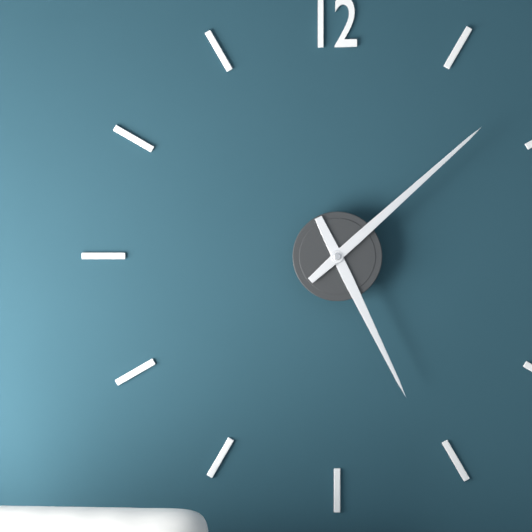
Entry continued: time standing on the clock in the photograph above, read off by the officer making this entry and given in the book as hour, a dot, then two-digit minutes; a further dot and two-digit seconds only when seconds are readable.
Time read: 5.08
